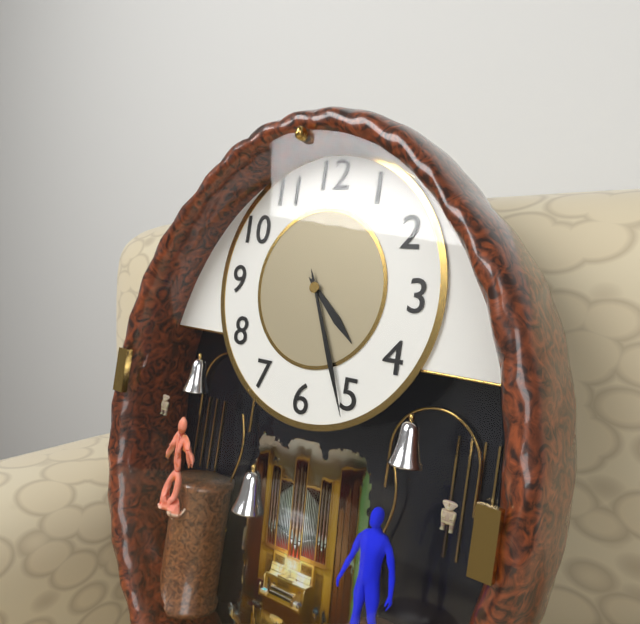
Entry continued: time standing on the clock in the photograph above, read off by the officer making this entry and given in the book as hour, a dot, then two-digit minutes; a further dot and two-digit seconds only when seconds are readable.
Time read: 4.26
